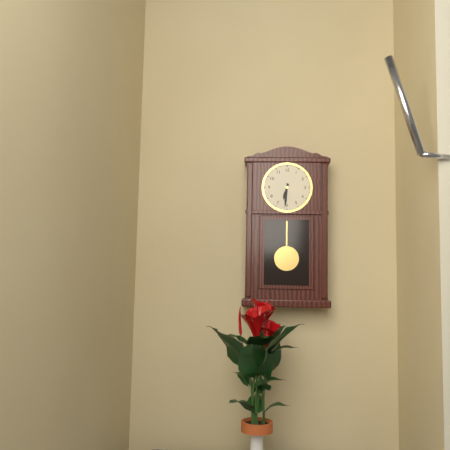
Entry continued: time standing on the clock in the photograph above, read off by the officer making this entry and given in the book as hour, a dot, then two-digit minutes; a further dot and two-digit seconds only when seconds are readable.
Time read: 6.31
